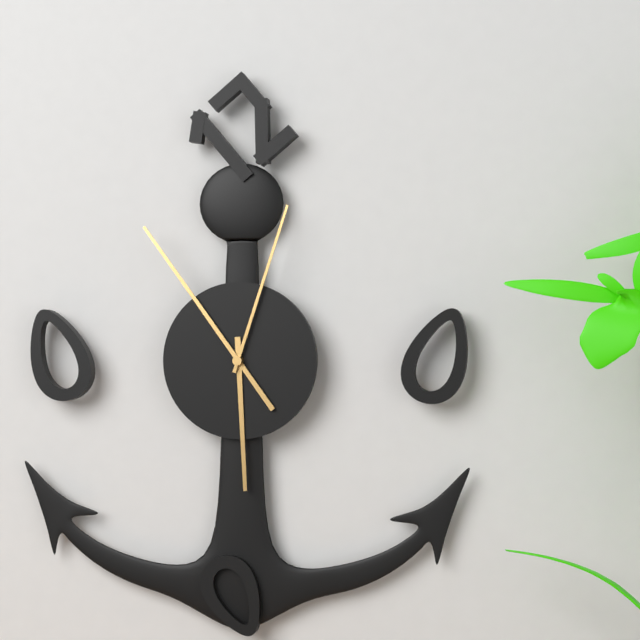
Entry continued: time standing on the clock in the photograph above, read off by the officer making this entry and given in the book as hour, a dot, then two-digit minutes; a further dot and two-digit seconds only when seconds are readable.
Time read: 5.54.03
